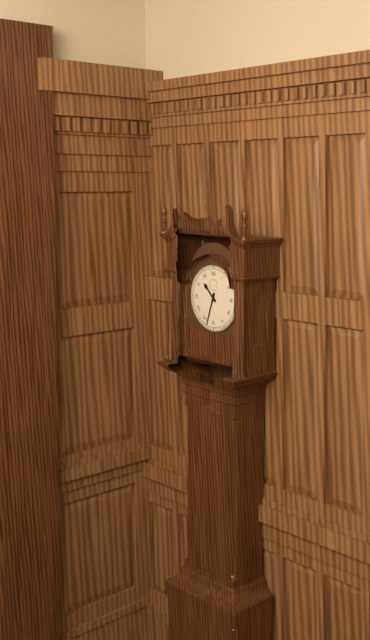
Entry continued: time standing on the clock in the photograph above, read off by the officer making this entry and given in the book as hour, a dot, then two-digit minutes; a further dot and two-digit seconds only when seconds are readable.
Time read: 10.33
